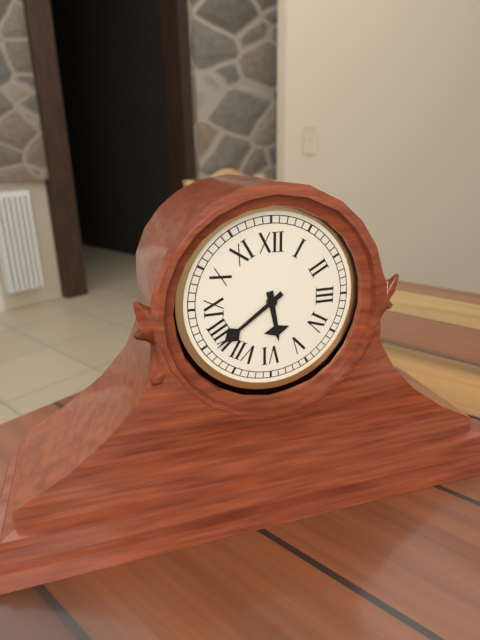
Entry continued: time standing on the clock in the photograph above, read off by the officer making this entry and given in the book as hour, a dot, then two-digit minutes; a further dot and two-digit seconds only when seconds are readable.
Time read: 5.39
